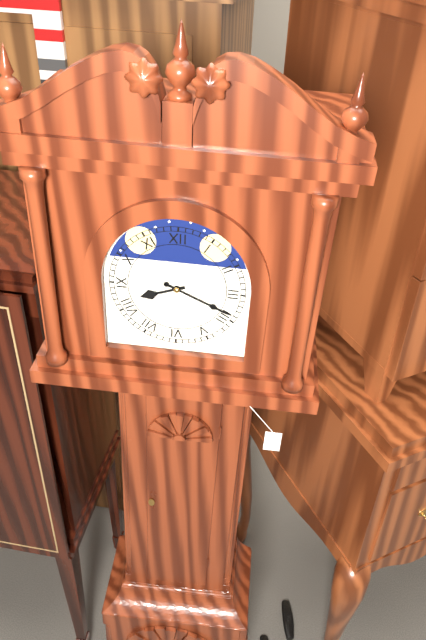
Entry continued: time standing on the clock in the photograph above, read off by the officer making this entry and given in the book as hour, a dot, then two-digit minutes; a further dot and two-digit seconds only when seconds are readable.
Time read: 8.19
